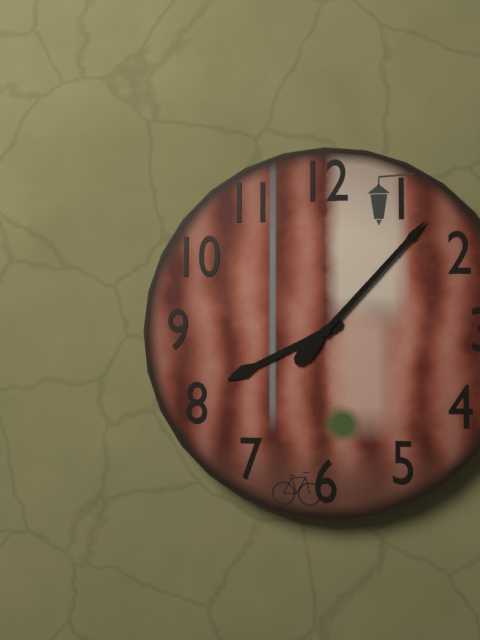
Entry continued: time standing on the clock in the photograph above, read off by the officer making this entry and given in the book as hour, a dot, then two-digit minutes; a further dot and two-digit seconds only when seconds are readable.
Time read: 8.07
